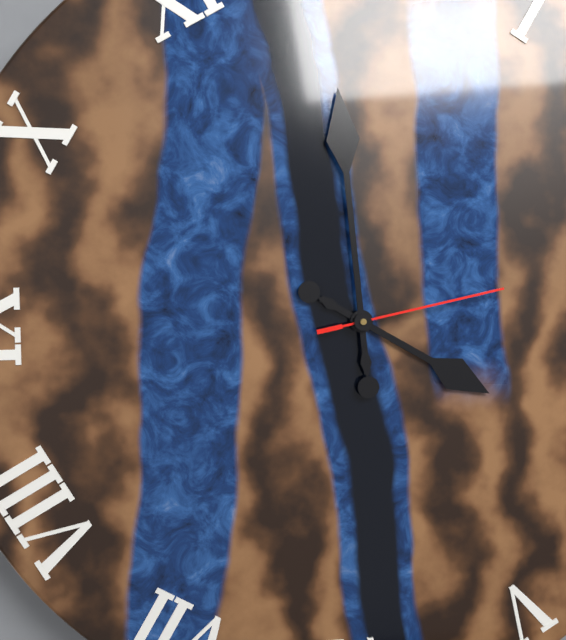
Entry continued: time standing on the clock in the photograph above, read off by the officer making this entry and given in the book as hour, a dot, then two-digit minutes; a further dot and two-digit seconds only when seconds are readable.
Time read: 3.59.13
